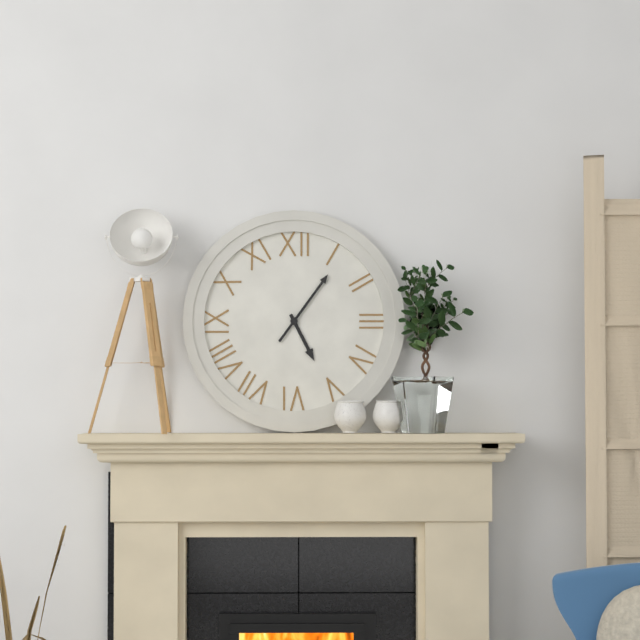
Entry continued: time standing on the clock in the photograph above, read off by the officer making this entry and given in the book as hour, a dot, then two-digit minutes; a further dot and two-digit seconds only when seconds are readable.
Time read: 5.06
